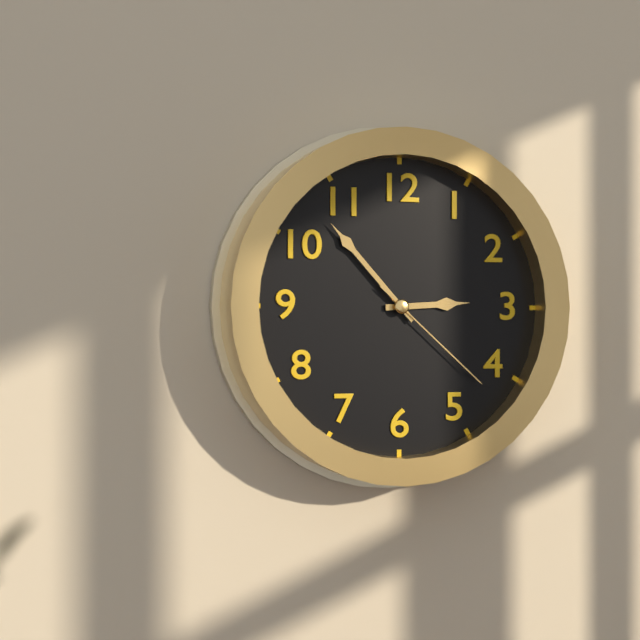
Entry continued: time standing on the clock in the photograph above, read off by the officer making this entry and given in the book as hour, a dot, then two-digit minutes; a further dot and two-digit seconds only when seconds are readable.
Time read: 2.53.22
